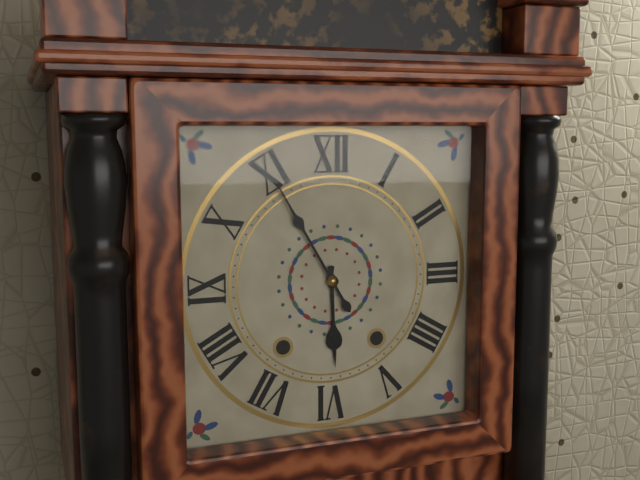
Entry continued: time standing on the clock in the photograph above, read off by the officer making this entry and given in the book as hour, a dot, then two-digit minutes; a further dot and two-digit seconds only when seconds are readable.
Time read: 5.55
